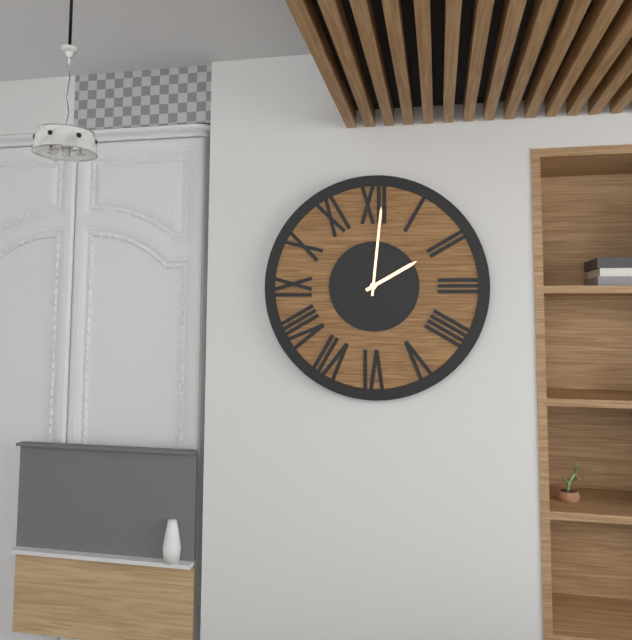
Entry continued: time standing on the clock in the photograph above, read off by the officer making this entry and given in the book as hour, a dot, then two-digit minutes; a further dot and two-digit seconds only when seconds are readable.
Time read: 2.01
